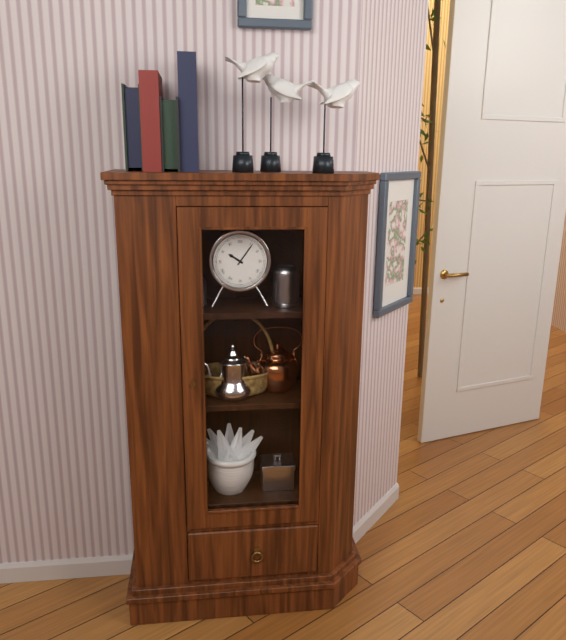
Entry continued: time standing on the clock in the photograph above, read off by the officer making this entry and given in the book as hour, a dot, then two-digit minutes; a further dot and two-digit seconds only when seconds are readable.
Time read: 10.06
